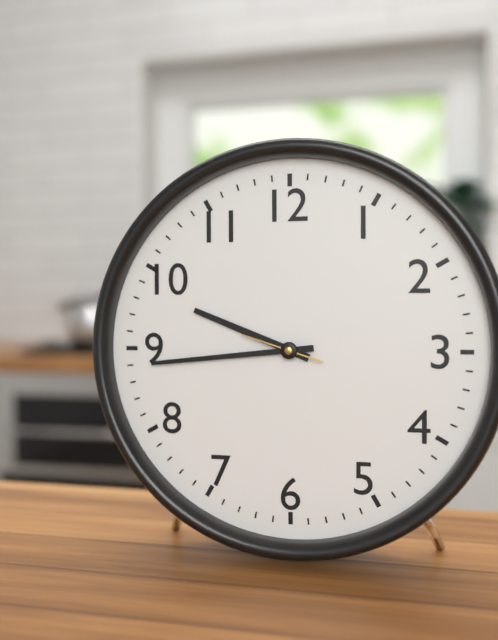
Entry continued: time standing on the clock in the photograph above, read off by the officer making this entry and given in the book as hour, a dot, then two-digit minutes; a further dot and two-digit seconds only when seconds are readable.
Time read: 9.44.48
